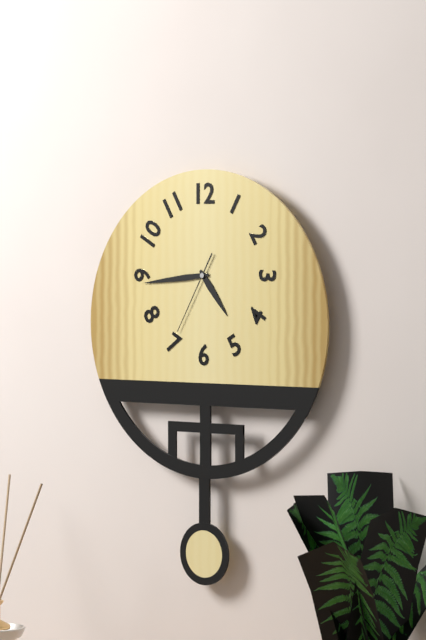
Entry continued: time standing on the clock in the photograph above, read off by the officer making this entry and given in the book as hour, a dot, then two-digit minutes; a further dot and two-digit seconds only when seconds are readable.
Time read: 4.44.35
